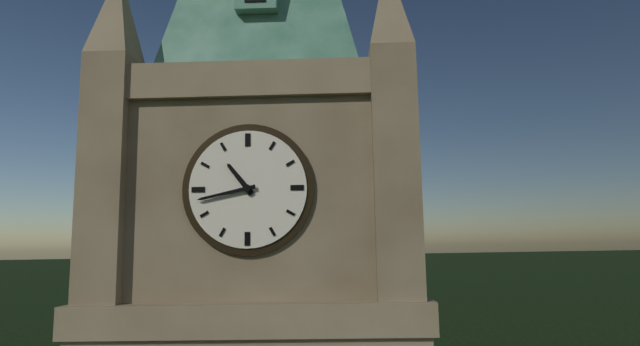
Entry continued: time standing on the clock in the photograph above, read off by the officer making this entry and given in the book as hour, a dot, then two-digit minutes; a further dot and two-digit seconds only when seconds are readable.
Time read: 10.43
